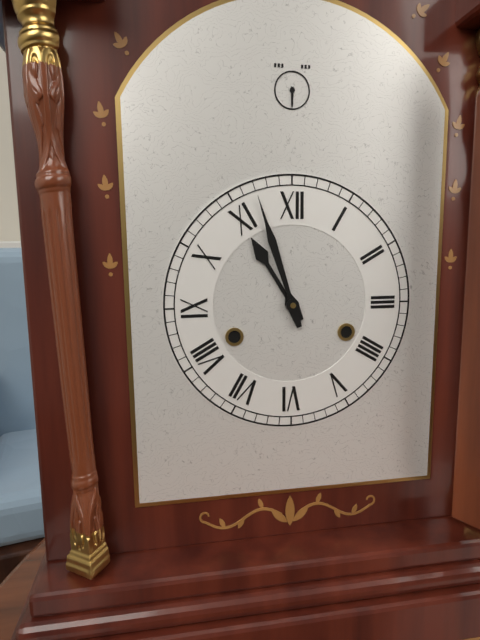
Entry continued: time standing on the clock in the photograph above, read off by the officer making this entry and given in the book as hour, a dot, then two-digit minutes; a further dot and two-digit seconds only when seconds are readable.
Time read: 10.57
